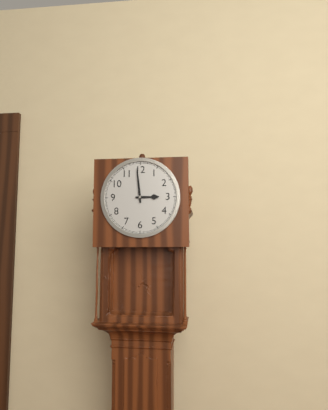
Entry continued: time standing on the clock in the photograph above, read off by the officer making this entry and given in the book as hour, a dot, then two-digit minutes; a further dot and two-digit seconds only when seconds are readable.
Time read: 2.59
